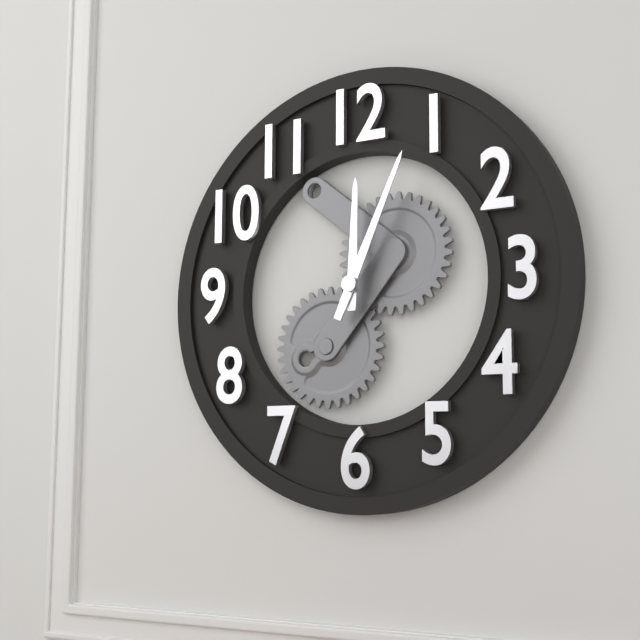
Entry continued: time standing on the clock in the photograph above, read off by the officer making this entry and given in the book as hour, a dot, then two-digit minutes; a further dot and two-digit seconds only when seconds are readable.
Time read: 12.04
